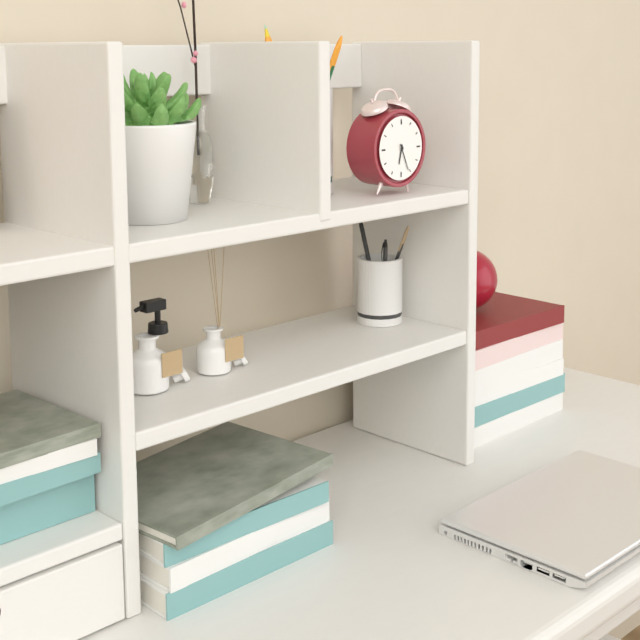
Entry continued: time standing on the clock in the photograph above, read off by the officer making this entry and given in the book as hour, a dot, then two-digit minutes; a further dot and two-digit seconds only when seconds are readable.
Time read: 6.26
